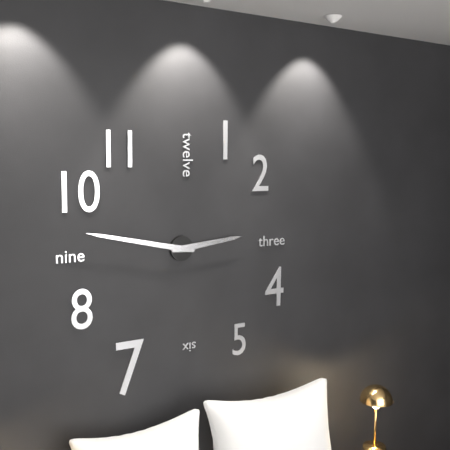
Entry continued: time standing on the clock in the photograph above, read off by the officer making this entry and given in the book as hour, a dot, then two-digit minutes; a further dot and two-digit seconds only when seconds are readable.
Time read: 2.47
